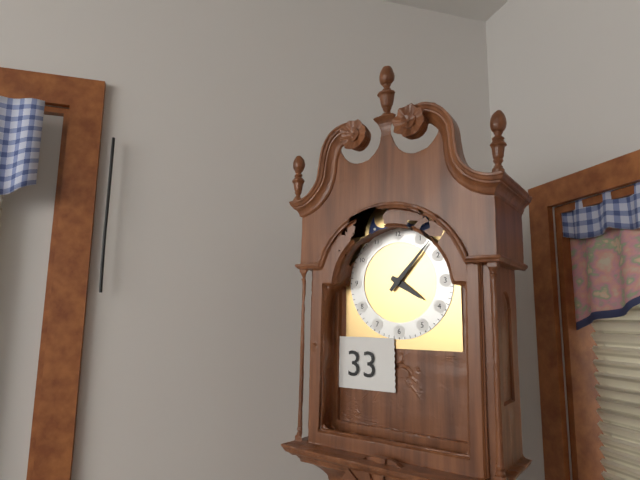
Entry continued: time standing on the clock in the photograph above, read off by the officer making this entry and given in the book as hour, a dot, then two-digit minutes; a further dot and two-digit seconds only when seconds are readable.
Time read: 4.07
